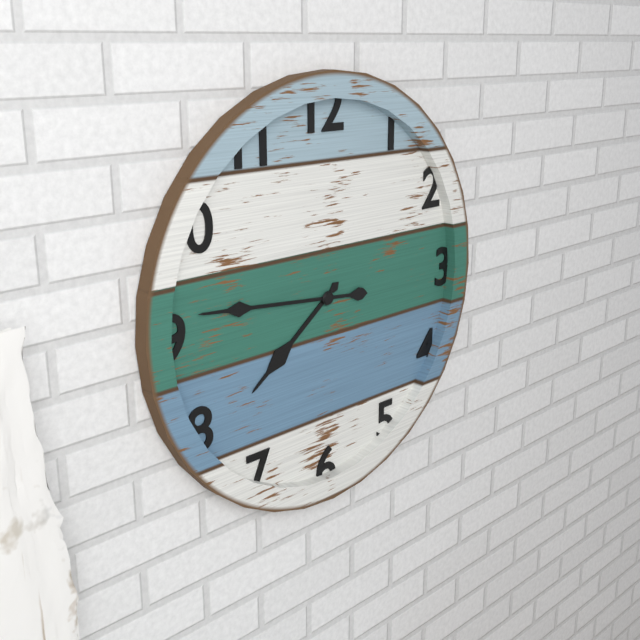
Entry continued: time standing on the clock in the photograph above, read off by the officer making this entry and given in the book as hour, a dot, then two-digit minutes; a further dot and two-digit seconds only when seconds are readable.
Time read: 7.46
